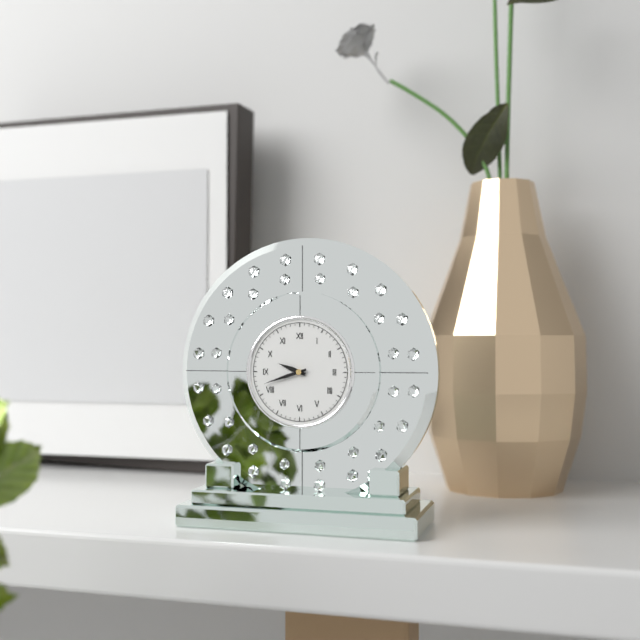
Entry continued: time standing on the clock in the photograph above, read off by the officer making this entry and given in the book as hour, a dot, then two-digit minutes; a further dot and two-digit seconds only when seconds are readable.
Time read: 9.42
